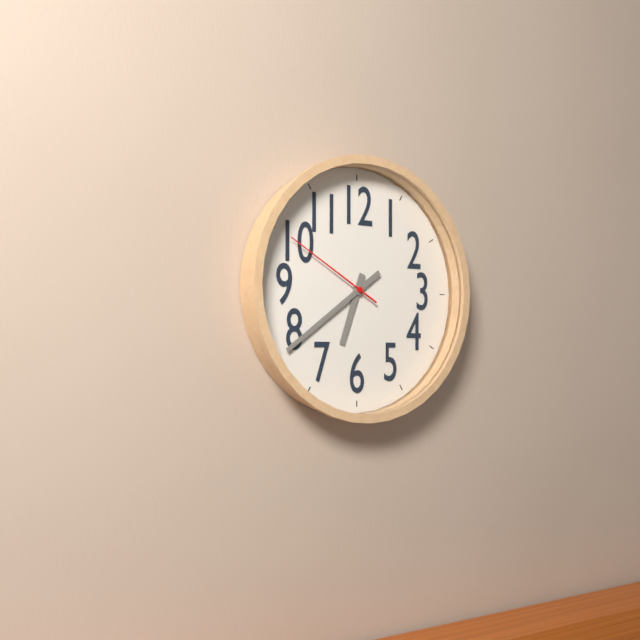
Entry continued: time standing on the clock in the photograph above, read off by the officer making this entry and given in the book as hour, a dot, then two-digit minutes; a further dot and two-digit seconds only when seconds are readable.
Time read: 6.39.50
